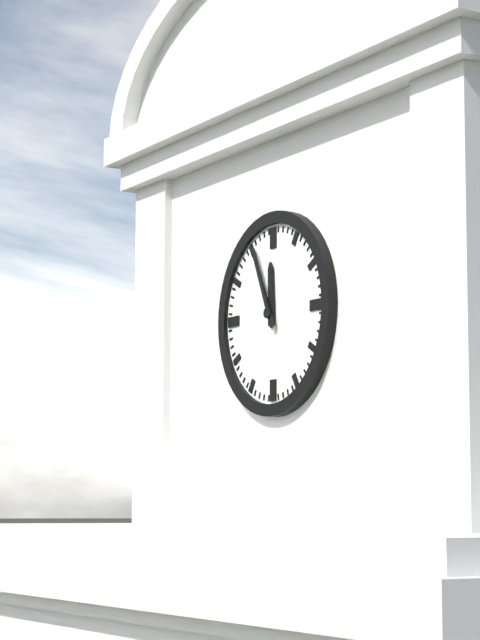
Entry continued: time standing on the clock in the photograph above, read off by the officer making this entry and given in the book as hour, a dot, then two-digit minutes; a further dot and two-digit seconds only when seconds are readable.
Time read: 11.56
